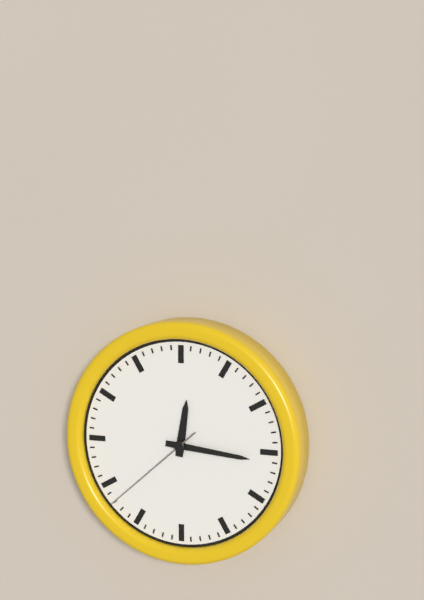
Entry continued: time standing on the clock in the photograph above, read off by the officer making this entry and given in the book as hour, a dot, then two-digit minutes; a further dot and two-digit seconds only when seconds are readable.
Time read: 12.16.38
